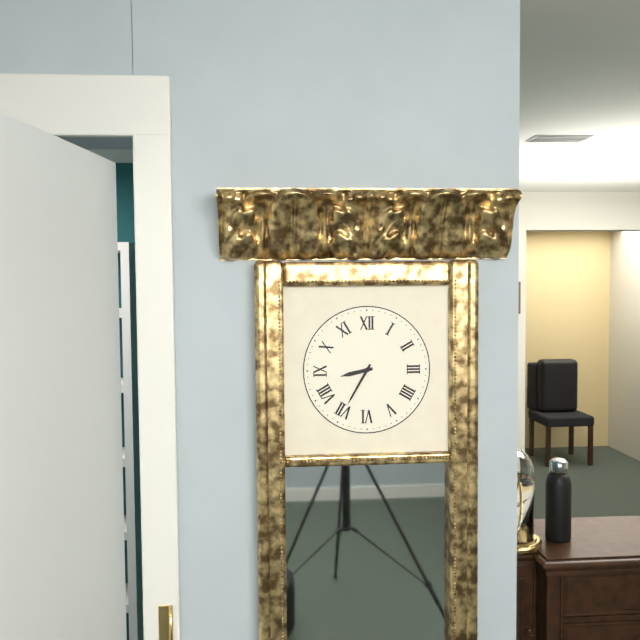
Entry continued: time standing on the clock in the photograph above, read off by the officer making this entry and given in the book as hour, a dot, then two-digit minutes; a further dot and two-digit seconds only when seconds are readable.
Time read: 8.35
